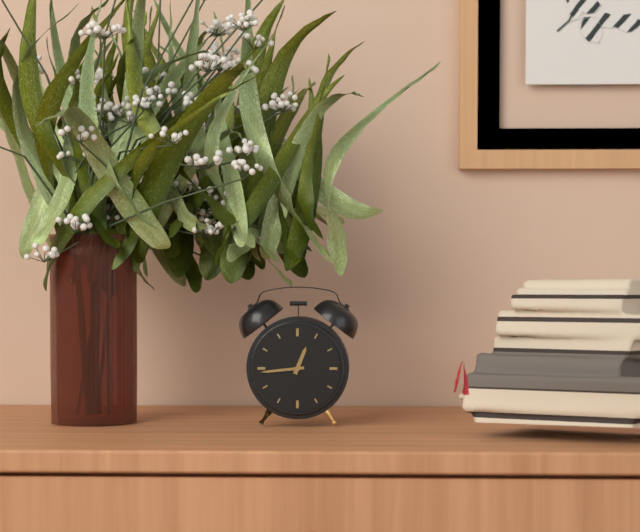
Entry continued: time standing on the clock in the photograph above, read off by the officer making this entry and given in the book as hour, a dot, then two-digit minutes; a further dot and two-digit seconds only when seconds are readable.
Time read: 12.44
